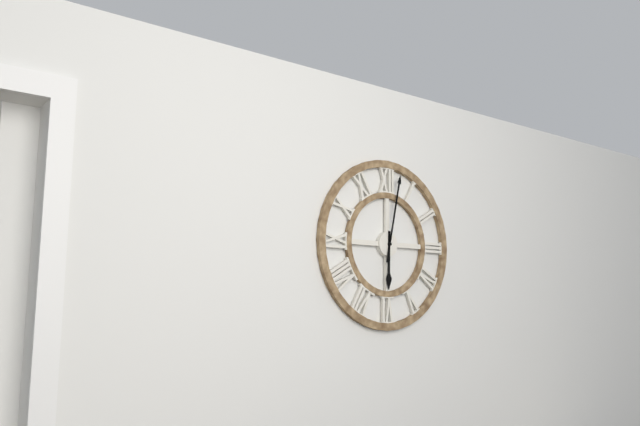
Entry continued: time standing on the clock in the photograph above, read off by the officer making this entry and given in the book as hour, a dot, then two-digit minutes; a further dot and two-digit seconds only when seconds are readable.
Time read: 6.02
